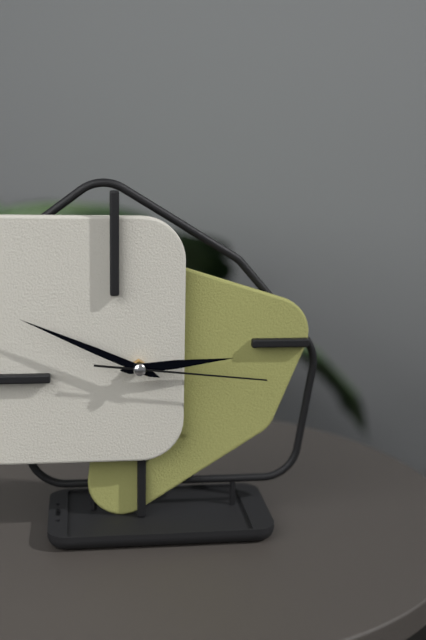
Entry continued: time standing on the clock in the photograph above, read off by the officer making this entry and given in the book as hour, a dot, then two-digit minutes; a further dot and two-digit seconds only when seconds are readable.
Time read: 2.49.16
